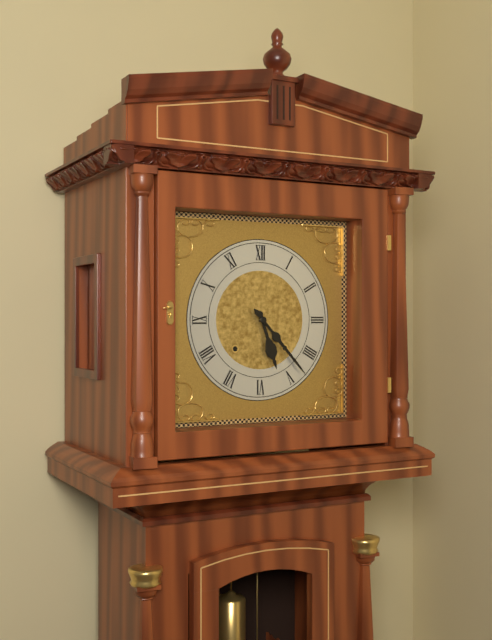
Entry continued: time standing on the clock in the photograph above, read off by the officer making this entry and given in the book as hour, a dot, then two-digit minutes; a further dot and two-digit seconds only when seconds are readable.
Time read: 5.23
